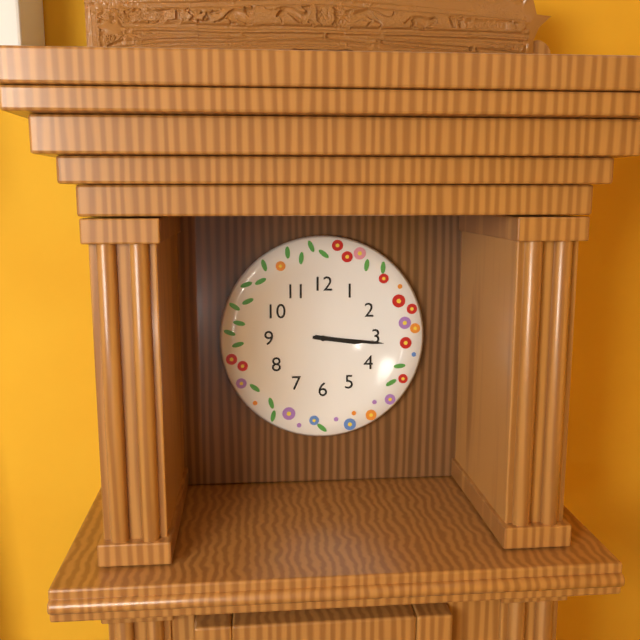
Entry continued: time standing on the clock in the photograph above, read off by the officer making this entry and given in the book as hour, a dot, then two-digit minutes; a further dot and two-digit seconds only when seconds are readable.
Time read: 3.16
